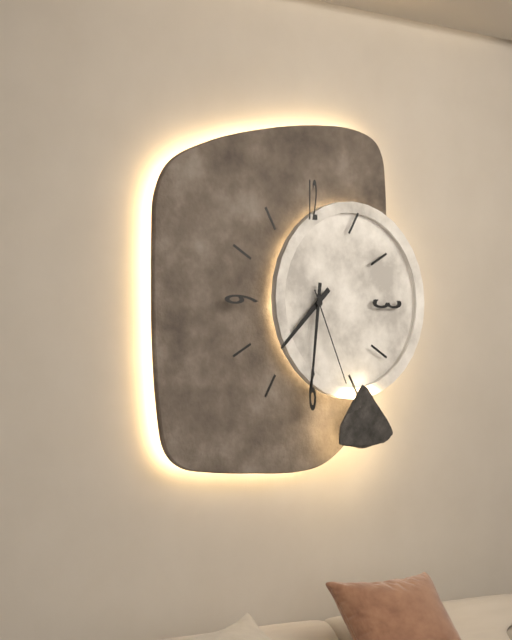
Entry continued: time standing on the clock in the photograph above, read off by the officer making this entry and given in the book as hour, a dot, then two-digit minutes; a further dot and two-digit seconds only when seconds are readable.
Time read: 7.31.26
